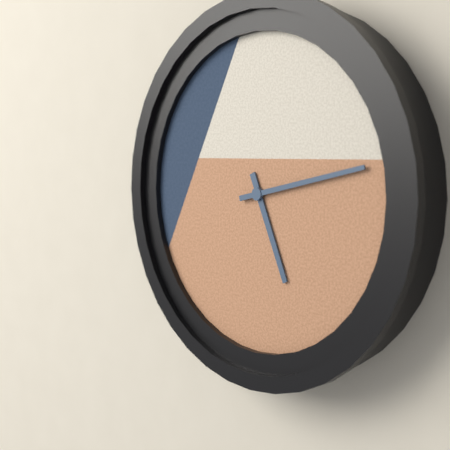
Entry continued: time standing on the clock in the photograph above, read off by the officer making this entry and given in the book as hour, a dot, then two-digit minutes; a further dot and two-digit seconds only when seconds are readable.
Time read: 5.13
